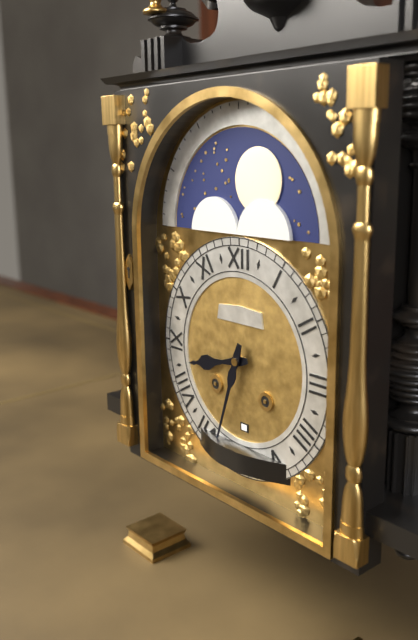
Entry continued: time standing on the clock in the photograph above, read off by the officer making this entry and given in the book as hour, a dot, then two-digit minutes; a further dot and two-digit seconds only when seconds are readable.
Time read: 8.33
